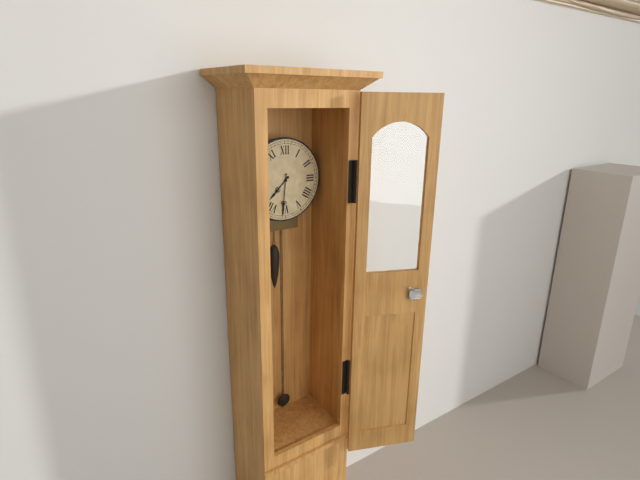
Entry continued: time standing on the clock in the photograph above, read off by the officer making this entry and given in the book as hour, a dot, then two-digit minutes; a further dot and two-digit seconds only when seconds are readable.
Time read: 7.31
